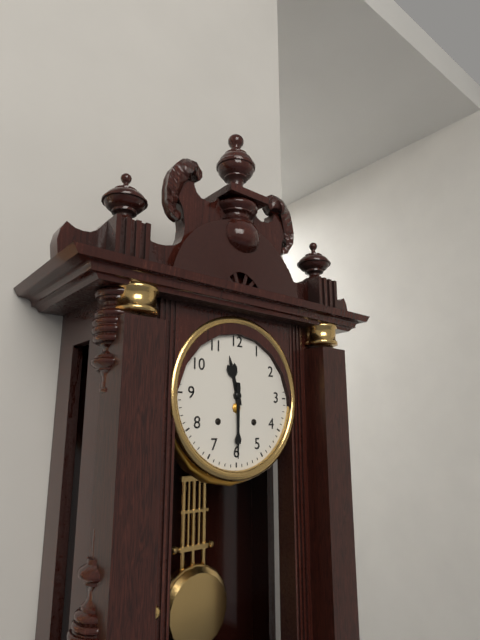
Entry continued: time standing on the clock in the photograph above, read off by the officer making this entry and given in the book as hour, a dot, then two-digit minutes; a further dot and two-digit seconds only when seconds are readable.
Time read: 11.30
